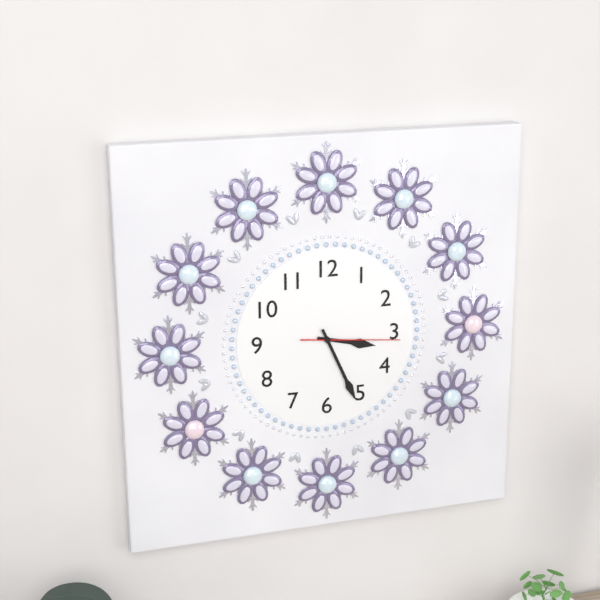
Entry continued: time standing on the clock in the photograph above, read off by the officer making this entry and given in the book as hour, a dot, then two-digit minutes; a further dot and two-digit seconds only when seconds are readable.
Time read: 3.26.16
